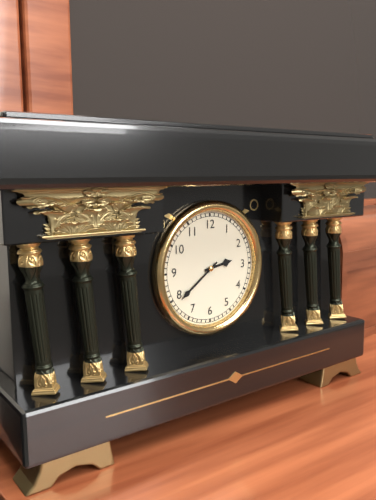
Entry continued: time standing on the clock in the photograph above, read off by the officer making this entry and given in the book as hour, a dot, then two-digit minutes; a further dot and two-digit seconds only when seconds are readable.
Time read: 2.39
